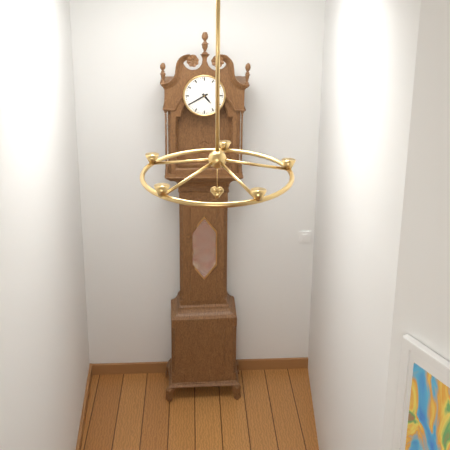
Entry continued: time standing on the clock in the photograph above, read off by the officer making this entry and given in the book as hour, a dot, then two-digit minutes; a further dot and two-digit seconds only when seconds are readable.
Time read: 4.40
